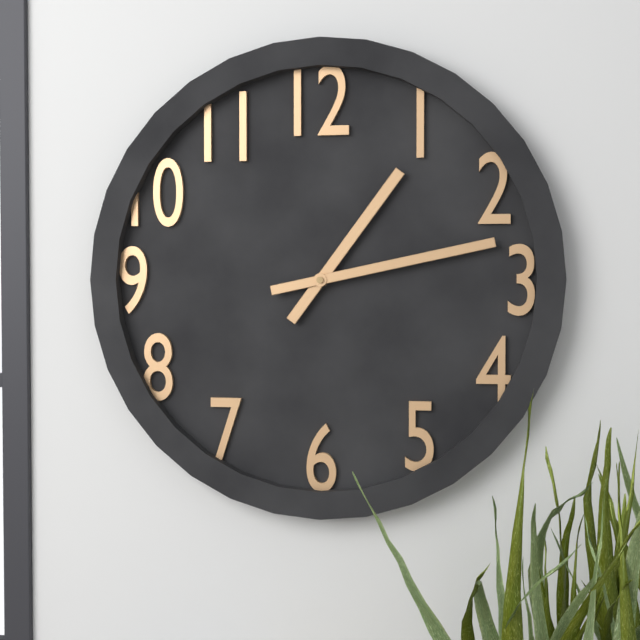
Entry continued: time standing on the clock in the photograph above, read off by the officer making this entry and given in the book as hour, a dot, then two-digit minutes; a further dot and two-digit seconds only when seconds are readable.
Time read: 1.13
